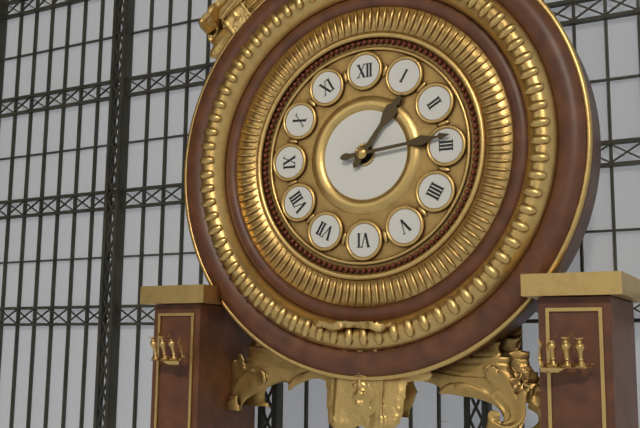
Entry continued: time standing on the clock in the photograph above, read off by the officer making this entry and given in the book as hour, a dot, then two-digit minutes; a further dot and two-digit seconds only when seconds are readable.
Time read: 1.14
